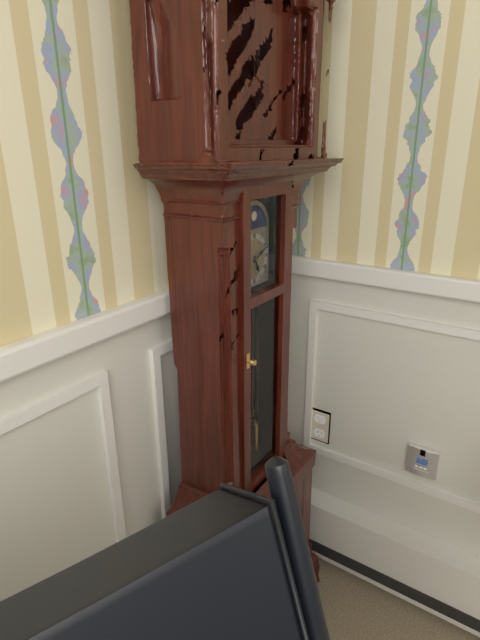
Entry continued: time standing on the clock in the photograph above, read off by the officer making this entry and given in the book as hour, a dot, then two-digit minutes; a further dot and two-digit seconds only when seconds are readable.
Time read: 5.11
